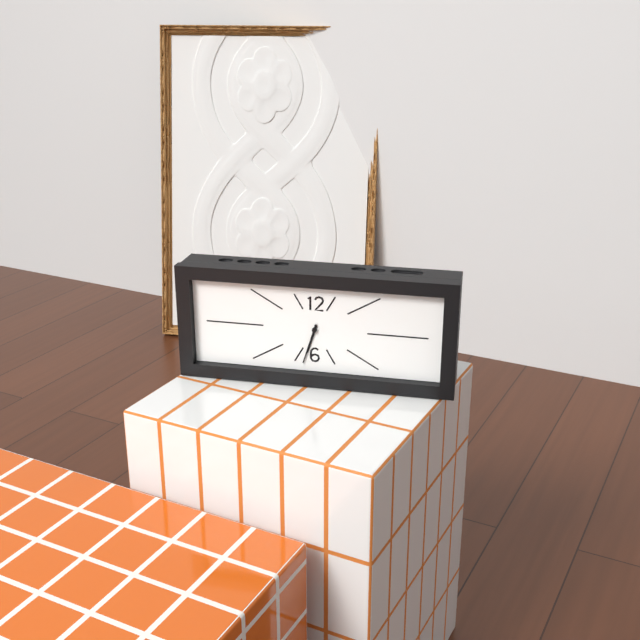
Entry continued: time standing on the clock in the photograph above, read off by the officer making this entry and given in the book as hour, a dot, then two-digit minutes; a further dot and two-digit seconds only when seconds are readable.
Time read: 6.33
